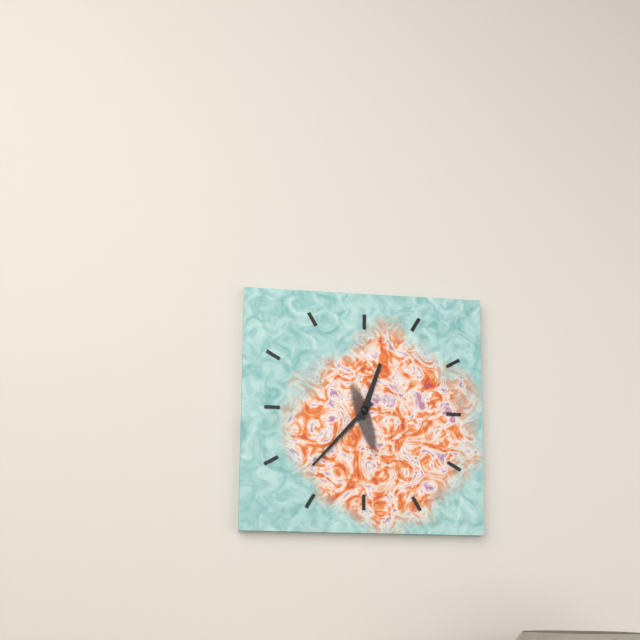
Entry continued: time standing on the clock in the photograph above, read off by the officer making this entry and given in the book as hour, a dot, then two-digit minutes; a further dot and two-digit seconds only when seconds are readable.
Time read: 12.37
